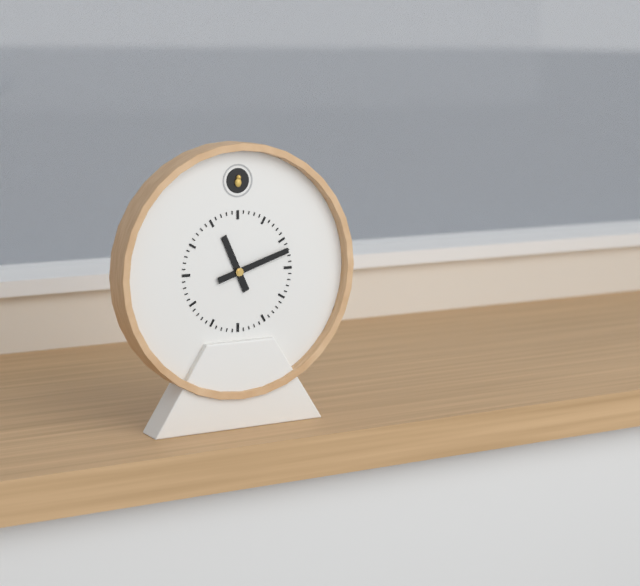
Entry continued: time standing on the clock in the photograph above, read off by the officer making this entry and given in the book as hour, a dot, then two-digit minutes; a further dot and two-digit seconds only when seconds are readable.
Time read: 11.12
